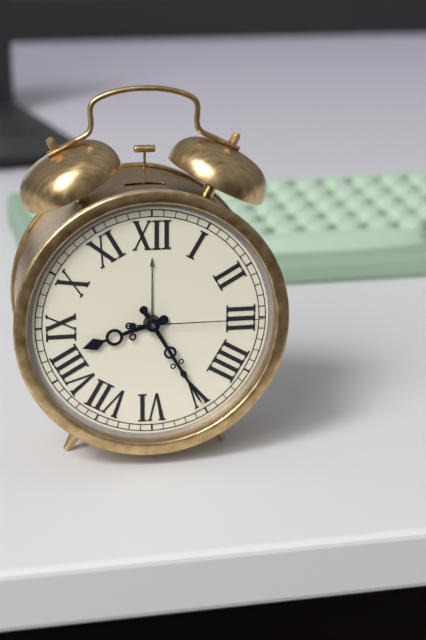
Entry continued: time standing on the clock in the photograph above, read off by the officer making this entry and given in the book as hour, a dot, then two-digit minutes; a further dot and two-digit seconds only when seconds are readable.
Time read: 8.25.15
